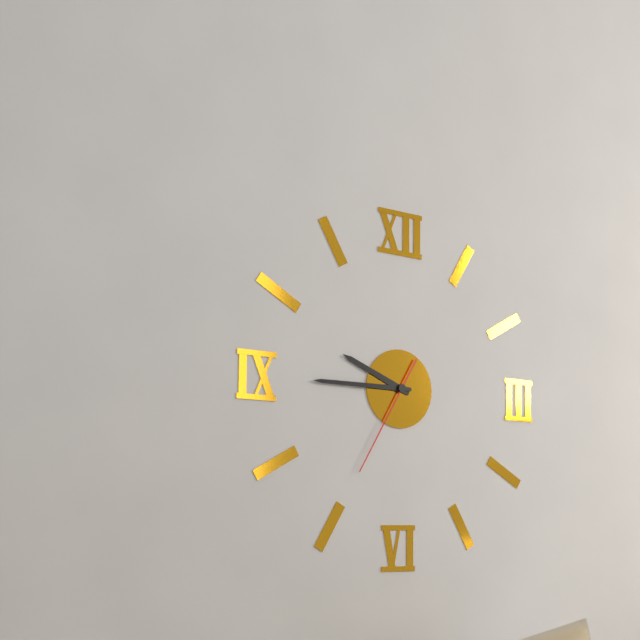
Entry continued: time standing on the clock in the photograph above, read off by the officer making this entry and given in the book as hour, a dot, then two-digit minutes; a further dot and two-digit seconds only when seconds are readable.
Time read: 9.45.35
